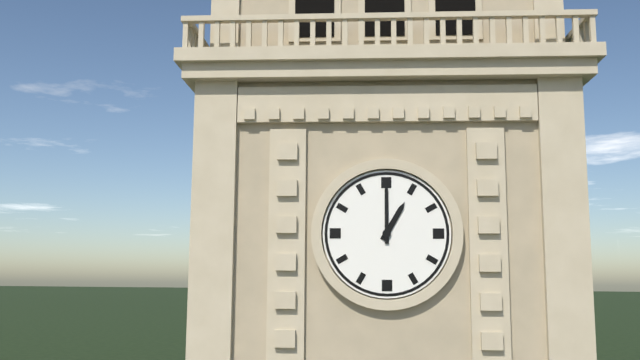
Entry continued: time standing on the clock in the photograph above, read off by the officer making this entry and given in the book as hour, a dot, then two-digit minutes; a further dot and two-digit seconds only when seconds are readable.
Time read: 1.00
